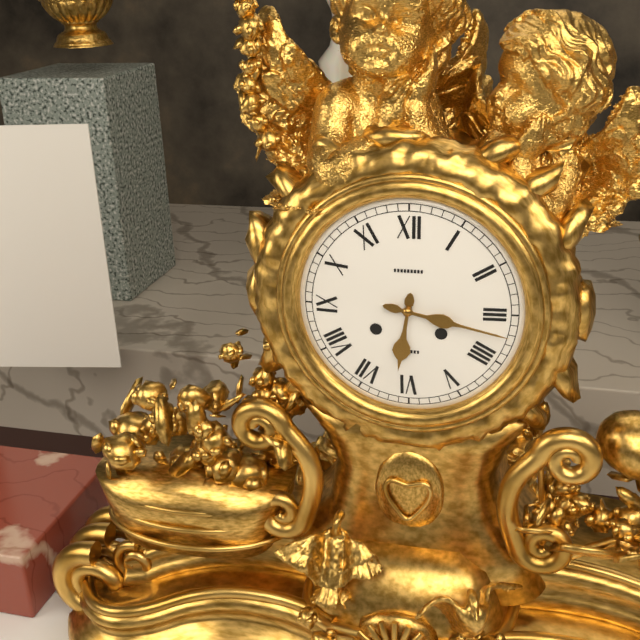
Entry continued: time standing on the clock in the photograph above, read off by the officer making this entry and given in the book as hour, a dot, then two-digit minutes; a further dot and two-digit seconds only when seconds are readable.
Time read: 6.17
